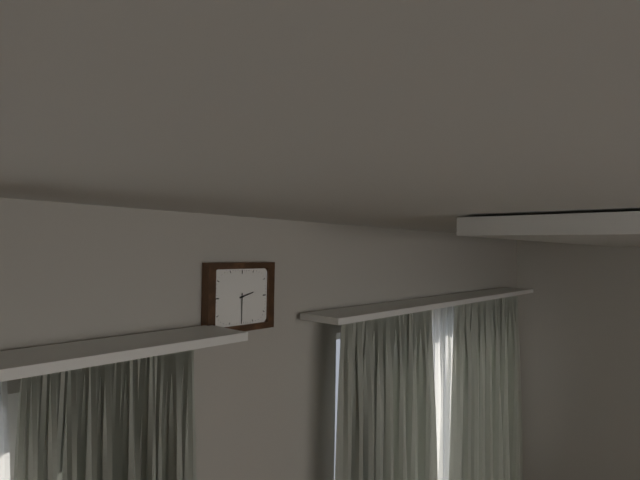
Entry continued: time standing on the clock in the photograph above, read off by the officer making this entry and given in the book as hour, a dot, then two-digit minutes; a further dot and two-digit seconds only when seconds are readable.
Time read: 2.30
